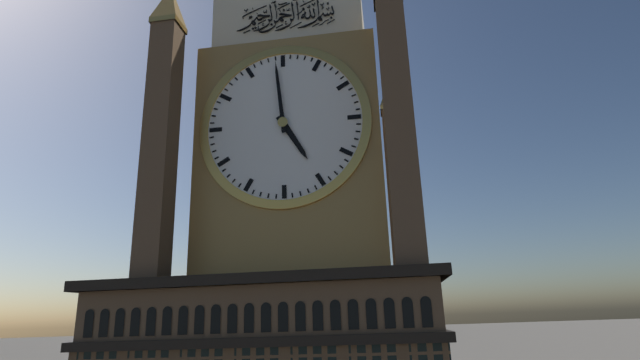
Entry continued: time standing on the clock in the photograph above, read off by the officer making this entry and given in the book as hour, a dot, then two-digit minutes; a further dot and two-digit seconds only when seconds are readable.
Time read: 4.59
